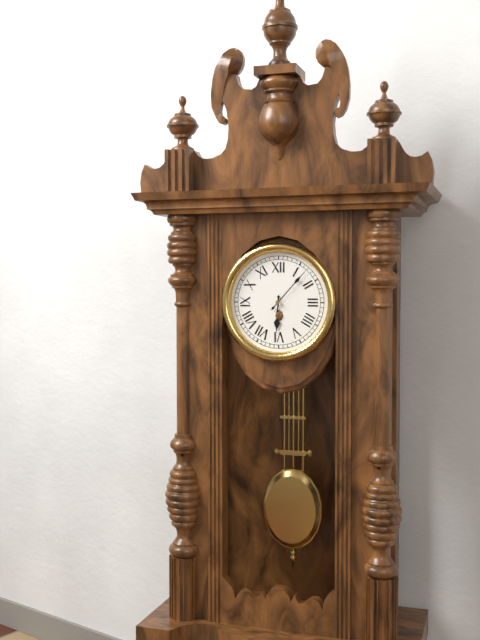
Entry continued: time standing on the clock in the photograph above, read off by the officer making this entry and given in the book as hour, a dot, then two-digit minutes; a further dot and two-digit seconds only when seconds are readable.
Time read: 6.07
